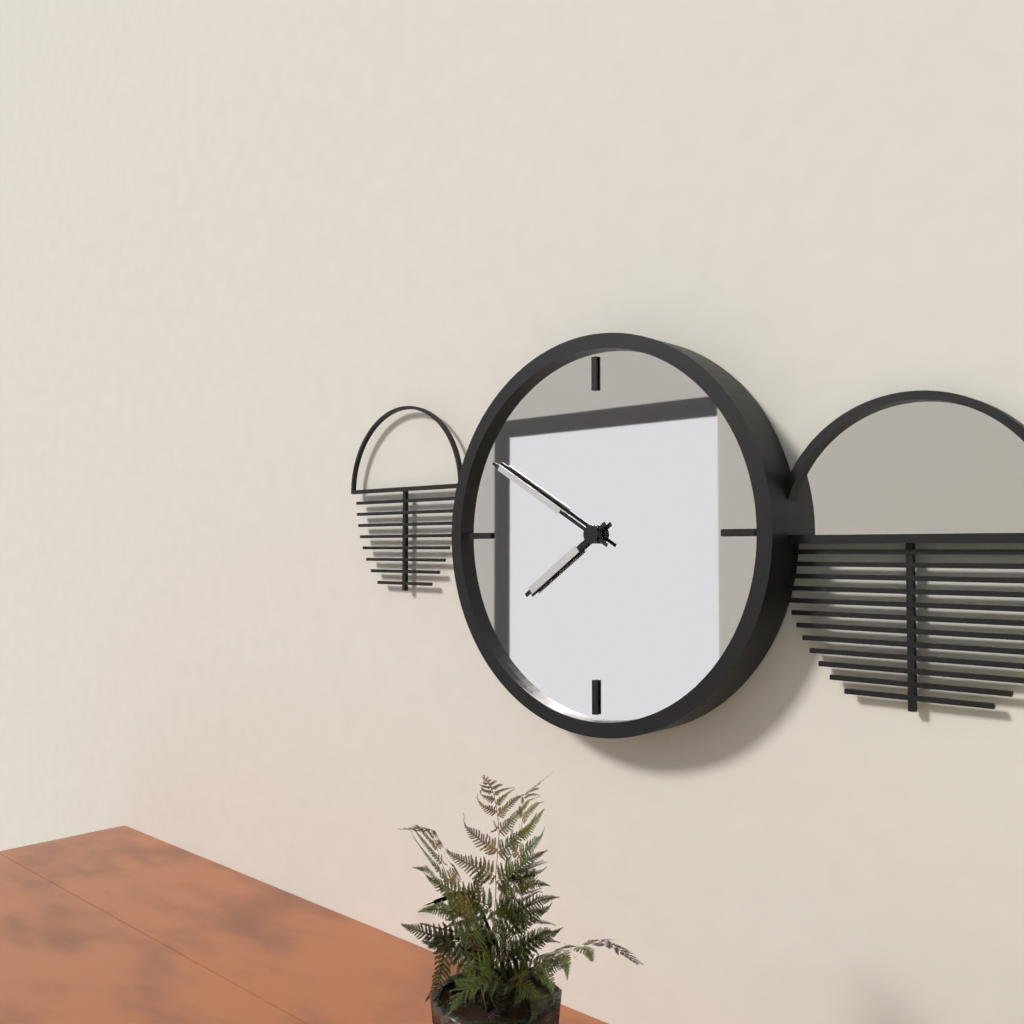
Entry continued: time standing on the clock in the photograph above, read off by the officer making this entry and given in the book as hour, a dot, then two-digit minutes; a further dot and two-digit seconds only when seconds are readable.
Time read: 7.50
